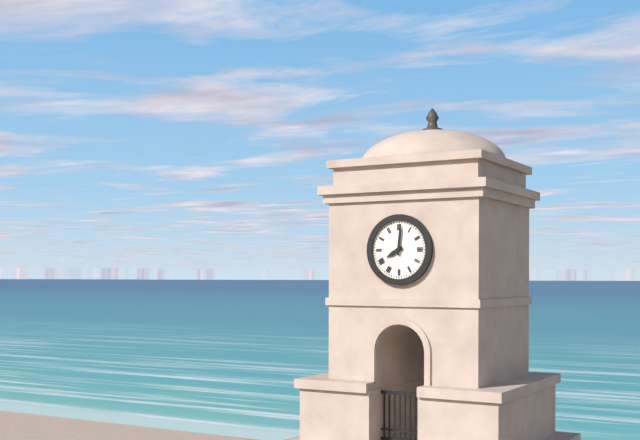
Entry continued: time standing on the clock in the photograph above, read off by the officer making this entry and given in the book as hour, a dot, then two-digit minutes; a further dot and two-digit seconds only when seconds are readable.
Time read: 8.01
